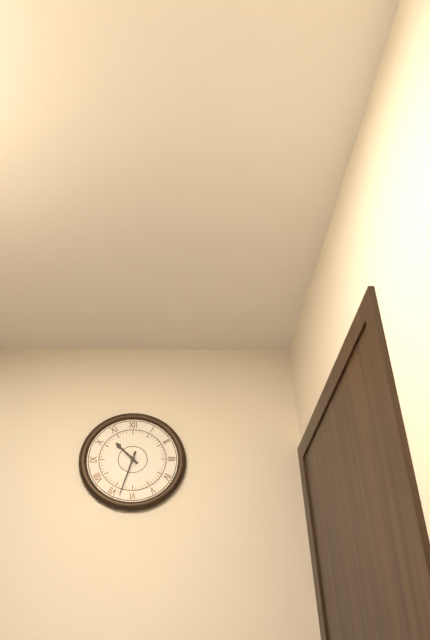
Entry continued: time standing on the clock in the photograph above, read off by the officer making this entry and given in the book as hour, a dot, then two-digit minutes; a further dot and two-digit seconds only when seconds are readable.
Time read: 10.33
